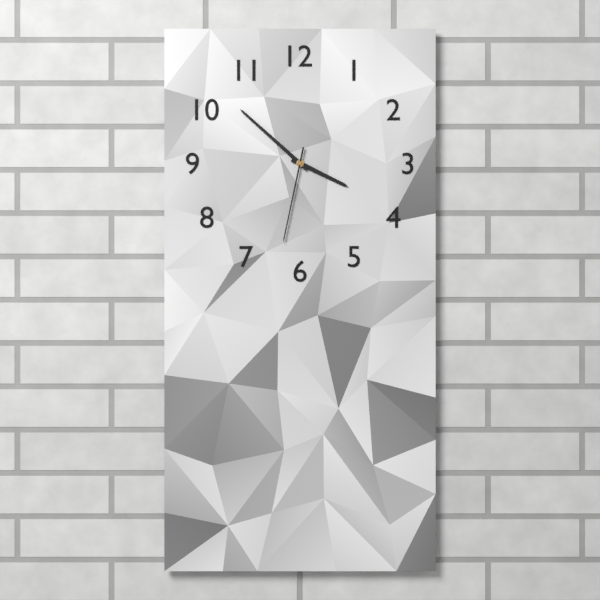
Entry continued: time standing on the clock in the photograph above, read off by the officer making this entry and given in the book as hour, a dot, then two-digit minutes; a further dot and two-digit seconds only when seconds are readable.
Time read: 3.52.32
